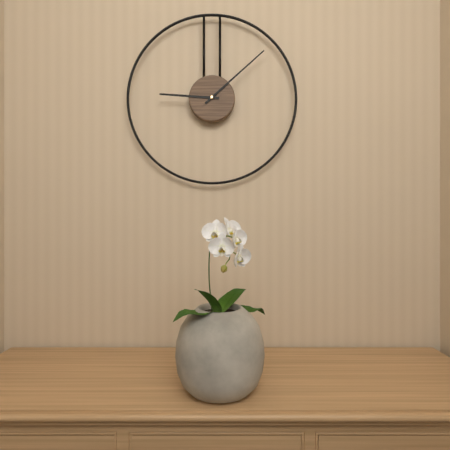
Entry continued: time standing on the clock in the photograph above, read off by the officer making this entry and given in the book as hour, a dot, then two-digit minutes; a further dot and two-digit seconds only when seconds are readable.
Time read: 9.08
